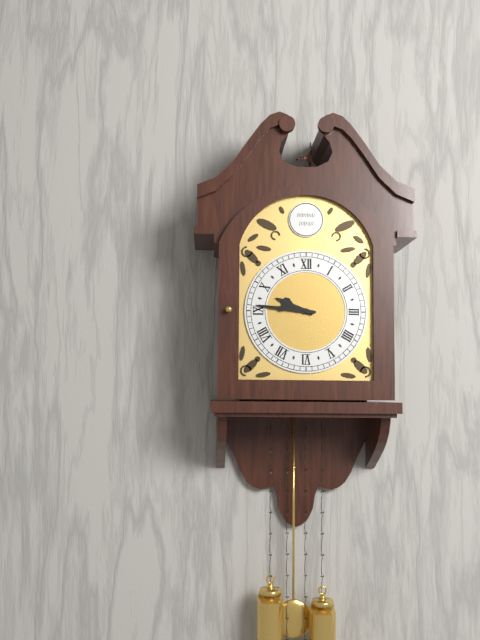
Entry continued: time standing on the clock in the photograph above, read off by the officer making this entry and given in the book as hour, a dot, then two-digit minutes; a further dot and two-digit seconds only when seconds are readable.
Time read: 9.46
